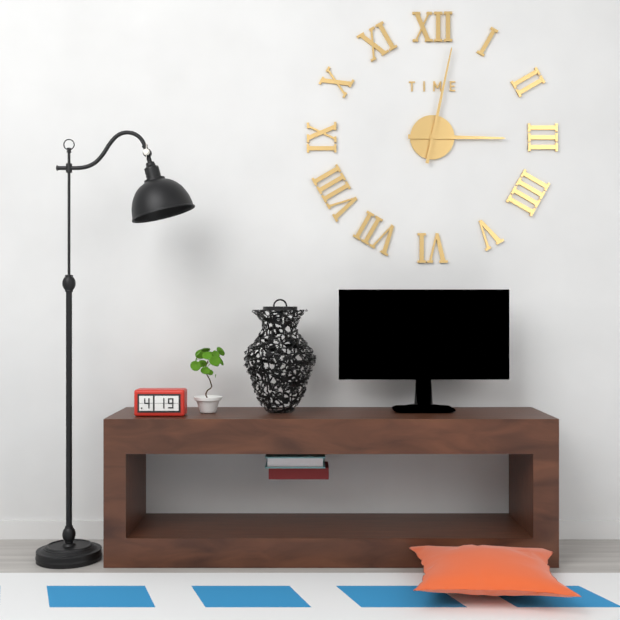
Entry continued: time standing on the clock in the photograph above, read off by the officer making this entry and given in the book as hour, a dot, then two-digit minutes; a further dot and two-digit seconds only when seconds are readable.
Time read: 3.02
